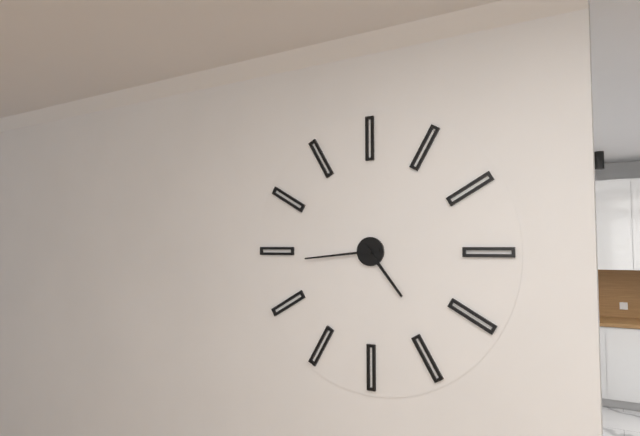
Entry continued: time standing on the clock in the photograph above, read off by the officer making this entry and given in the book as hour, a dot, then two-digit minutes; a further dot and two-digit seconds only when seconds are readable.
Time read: 4.44
